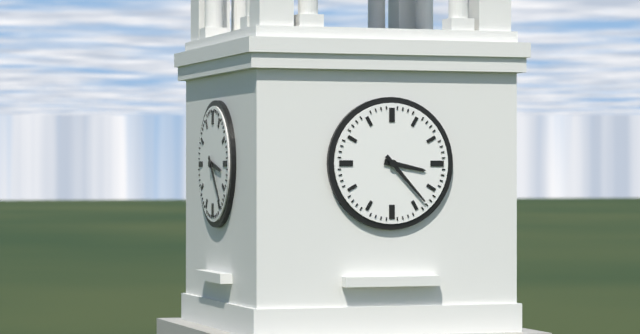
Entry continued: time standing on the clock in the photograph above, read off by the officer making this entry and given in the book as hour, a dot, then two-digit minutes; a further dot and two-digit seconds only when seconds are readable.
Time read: 3.23
